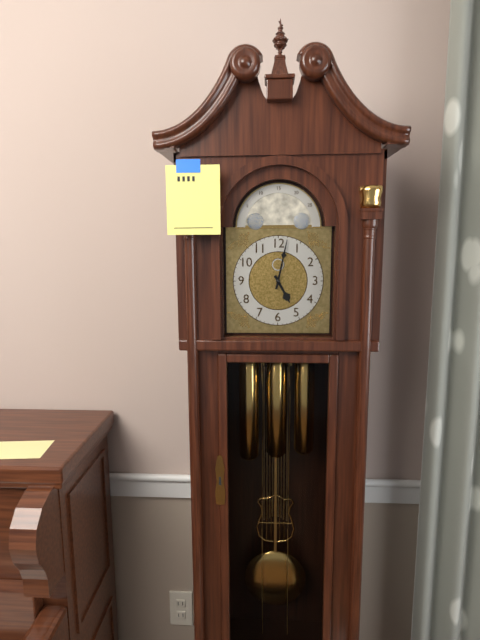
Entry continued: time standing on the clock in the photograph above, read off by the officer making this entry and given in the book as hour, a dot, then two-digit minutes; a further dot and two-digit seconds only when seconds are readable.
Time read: 5.02
